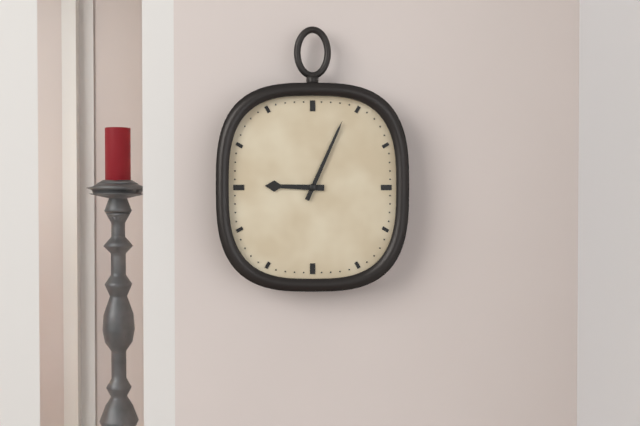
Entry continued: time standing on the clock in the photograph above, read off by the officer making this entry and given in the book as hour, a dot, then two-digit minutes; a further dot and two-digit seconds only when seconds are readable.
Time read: 9.04
